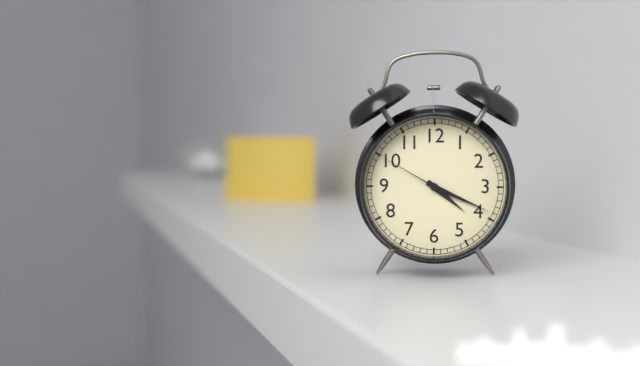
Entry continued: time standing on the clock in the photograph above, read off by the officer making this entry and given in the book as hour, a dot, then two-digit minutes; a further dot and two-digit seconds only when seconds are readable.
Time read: 4.19.50
